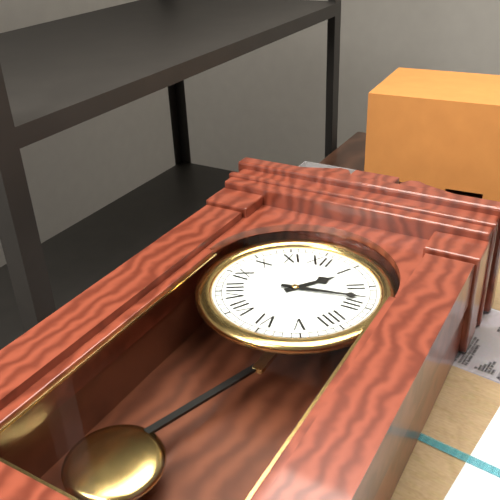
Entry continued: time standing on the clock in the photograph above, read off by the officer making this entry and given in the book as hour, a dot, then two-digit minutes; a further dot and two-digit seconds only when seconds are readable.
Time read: 1.13
